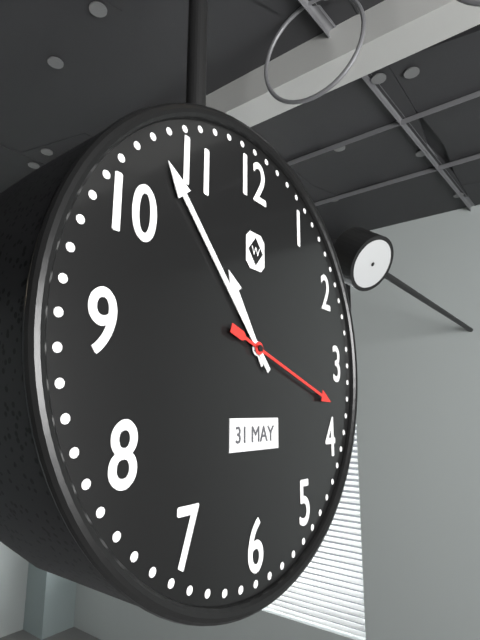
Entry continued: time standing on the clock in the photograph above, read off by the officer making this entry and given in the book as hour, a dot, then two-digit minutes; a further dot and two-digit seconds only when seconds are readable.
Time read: 10.53.18
